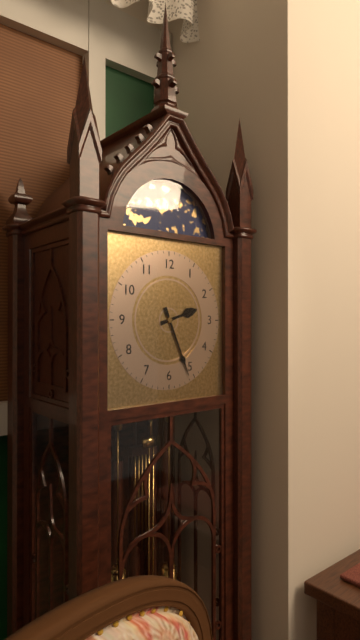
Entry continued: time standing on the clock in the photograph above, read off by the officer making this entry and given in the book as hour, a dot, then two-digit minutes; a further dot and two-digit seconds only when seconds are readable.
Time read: 2.26
